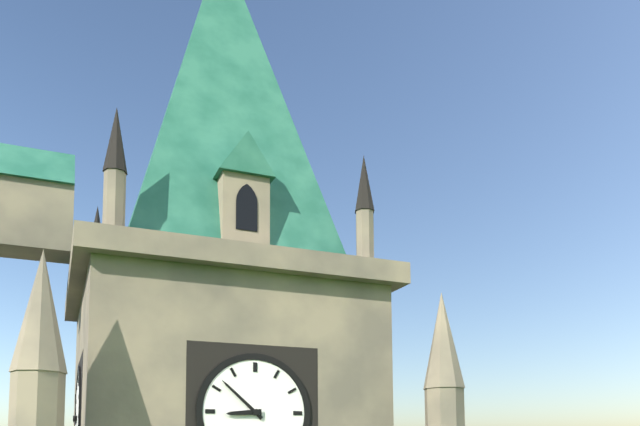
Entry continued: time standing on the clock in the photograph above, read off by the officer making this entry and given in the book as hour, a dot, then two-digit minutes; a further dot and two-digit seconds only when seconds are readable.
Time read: 8.52
